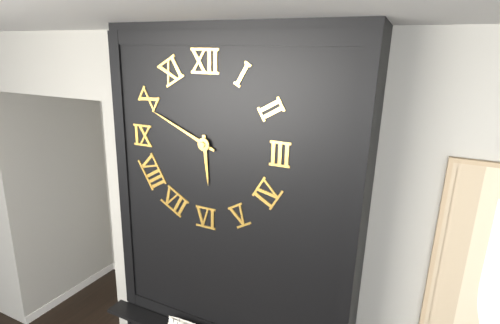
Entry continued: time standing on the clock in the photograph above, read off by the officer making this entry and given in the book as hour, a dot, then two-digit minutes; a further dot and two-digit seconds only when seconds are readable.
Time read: 5.49
